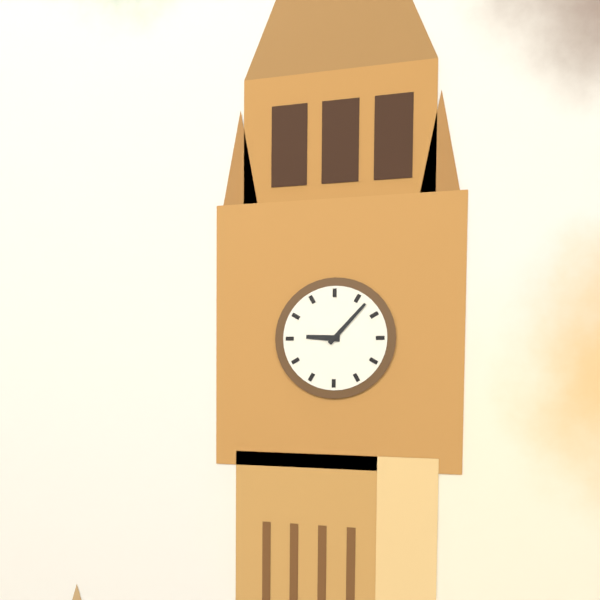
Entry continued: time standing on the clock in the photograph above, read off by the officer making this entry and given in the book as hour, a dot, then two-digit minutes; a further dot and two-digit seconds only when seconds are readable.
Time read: 9.07
